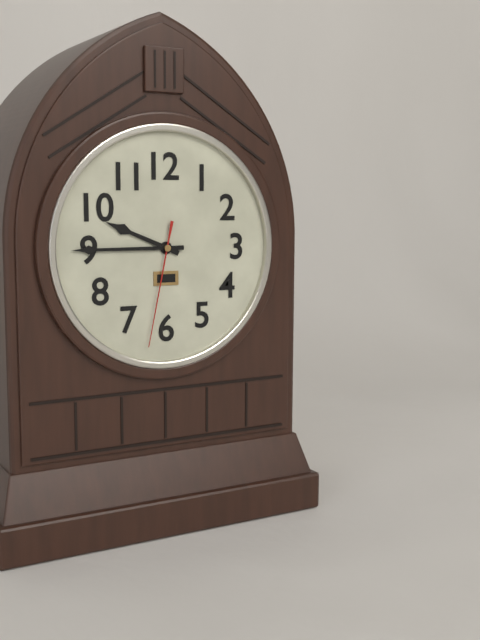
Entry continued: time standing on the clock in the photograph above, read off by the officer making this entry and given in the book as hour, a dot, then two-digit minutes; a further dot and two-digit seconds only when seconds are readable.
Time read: 9.45.32
